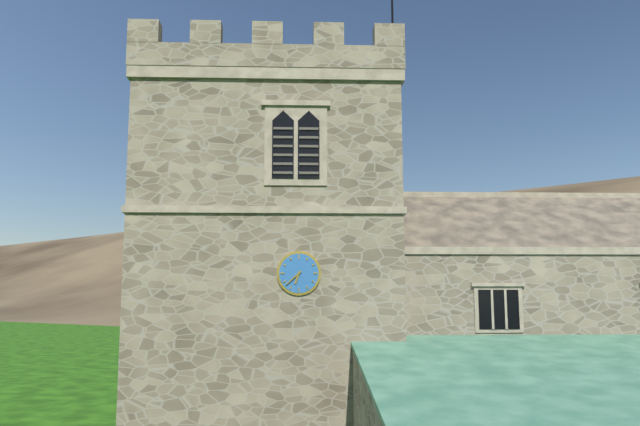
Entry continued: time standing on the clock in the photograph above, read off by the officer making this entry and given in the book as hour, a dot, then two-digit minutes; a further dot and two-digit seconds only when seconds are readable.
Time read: 6.38
